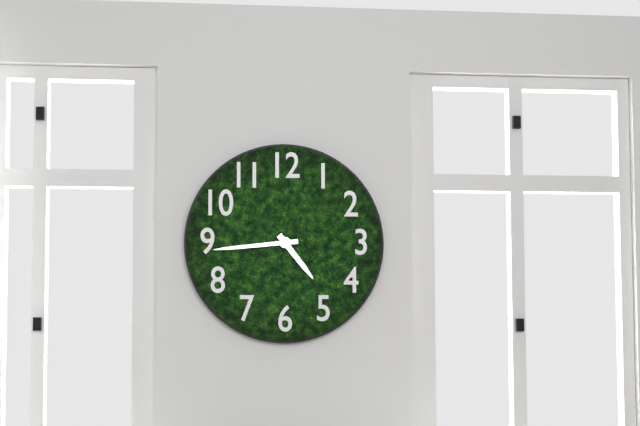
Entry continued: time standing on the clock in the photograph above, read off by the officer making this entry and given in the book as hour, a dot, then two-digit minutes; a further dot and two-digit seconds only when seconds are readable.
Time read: 4.44
